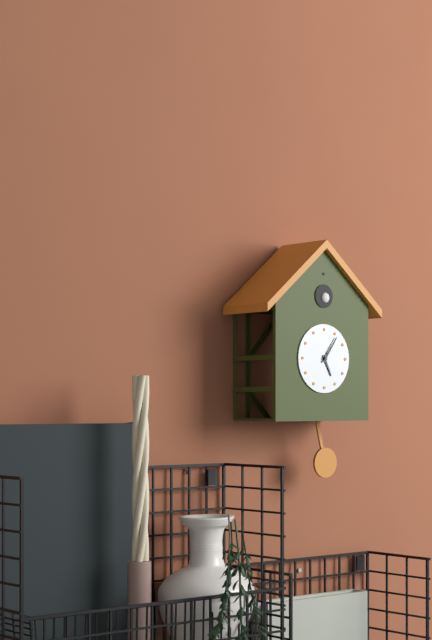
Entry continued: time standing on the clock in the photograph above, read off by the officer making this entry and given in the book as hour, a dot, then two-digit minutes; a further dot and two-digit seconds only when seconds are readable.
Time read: 5.06
